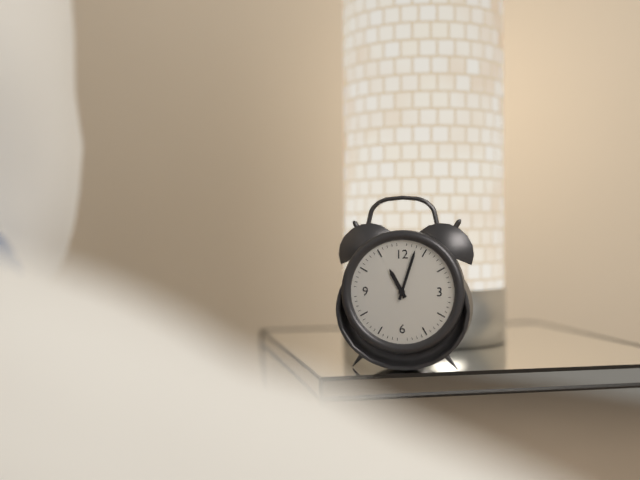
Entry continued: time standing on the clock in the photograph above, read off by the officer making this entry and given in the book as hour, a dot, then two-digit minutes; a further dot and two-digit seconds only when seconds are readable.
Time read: 11.03
